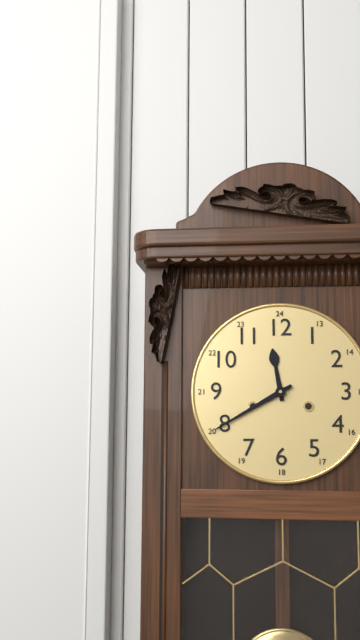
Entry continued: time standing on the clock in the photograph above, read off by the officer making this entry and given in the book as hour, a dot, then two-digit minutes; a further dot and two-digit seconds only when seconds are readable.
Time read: 11.40
